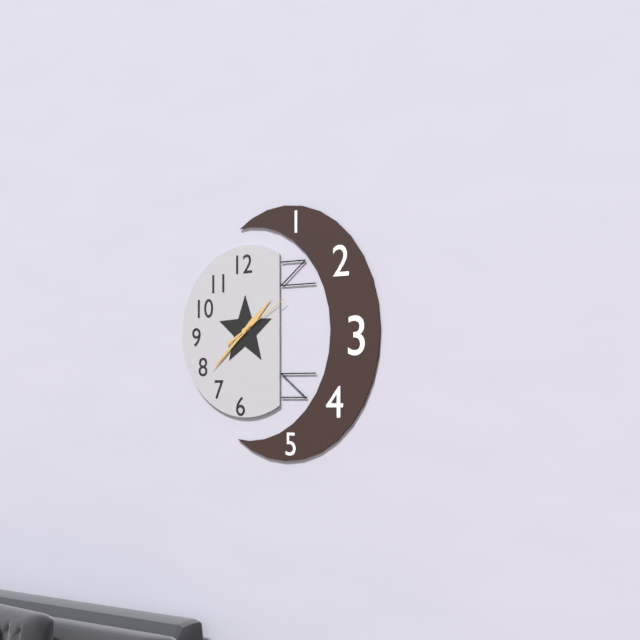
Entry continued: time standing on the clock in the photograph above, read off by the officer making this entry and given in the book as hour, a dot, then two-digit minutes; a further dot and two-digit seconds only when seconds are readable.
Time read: 1.38.10
